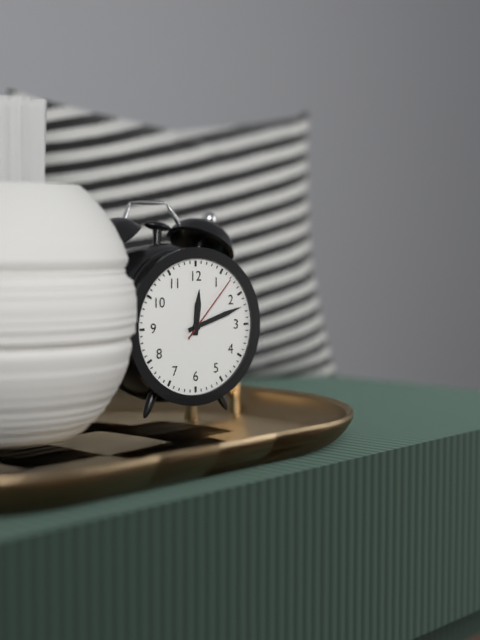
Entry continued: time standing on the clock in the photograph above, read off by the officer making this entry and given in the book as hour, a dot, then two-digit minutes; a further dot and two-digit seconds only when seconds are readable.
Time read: 12.12.07
